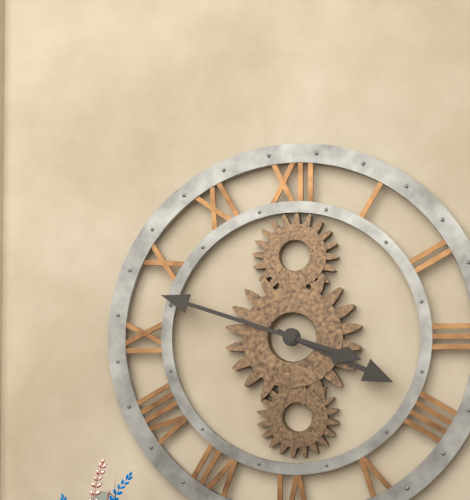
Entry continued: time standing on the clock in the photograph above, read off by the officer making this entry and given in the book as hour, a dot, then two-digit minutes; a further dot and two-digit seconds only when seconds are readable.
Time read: 3.48
